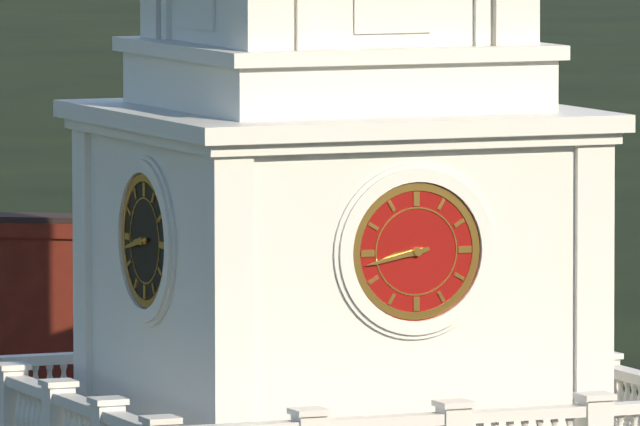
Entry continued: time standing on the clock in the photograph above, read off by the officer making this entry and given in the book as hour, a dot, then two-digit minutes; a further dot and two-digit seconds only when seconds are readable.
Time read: 8.43
